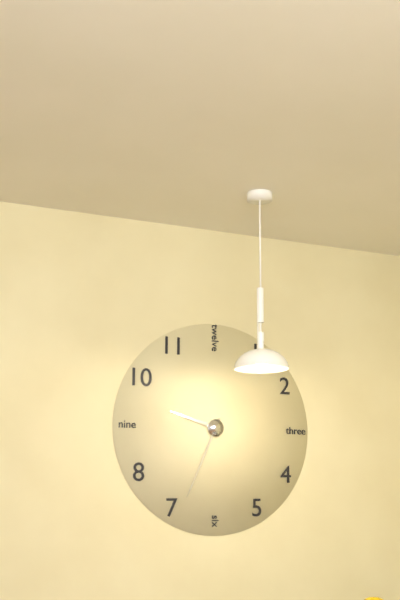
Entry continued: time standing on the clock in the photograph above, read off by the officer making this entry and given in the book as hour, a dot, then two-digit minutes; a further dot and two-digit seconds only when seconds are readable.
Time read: 9.34
